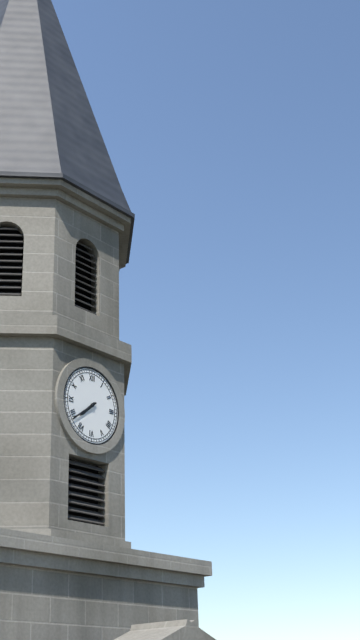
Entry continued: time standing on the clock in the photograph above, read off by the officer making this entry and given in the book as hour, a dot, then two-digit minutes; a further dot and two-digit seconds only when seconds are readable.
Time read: 7.39
